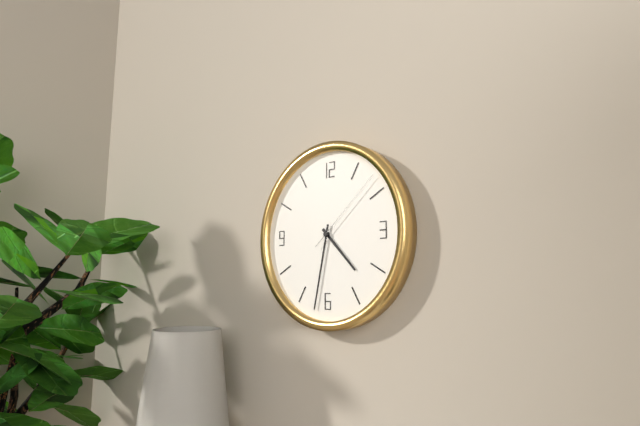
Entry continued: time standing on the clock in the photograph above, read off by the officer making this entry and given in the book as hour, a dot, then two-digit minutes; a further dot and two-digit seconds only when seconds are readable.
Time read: 4.32.08
